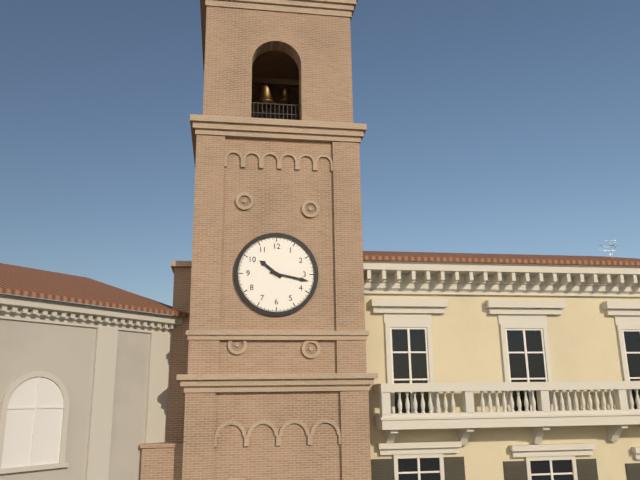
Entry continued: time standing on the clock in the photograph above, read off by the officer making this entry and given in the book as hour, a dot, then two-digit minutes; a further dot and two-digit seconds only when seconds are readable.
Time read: 10.17
